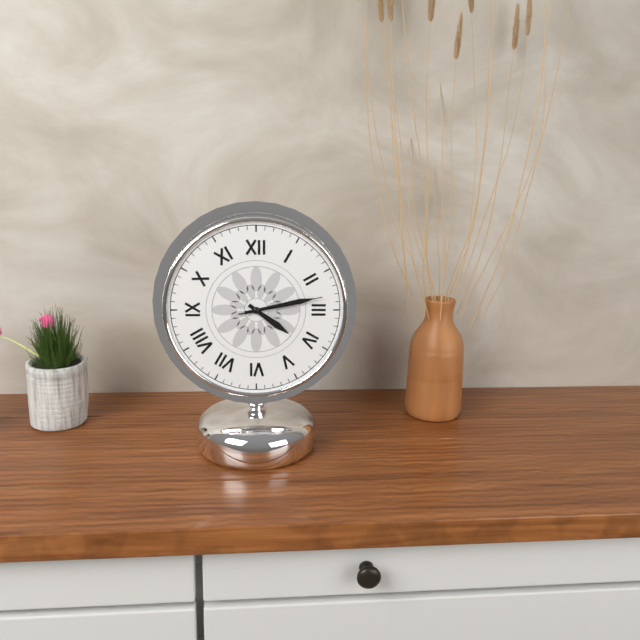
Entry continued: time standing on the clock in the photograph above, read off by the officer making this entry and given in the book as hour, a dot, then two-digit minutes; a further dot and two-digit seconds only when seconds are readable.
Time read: 4.13.13
